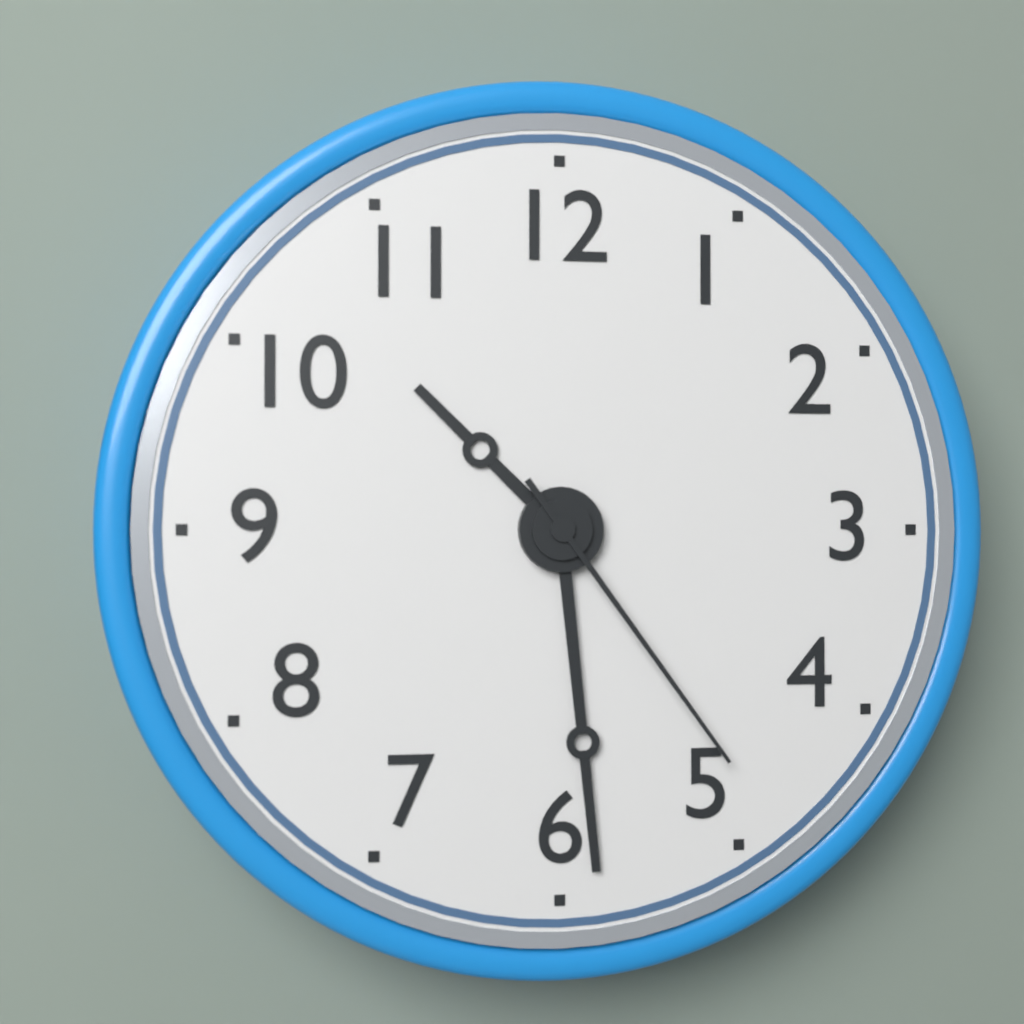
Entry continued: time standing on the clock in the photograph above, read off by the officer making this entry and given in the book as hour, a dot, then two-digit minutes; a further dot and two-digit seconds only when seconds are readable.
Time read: 10.29.24
